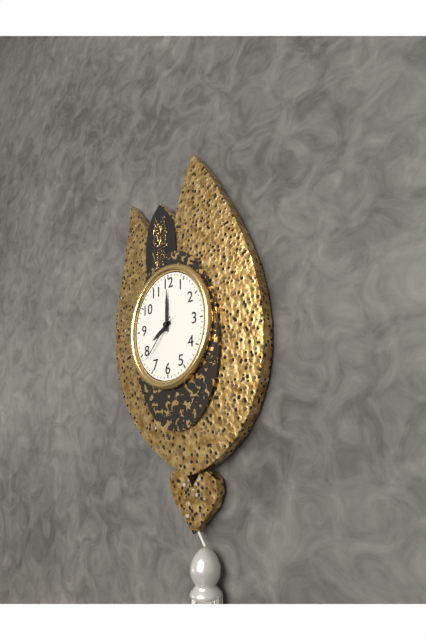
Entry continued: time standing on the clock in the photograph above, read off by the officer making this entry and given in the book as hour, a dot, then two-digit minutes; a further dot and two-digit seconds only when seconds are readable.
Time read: 8.00.37
